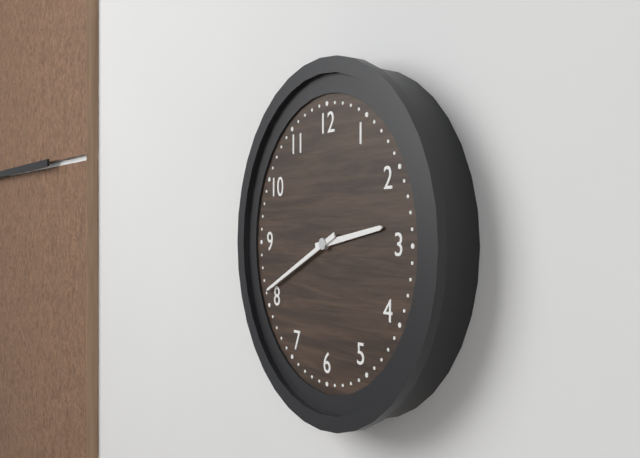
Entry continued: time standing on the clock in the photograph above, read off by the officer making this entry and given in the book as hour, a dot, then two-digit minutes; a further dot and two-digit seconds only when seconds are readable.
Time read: 2.41
